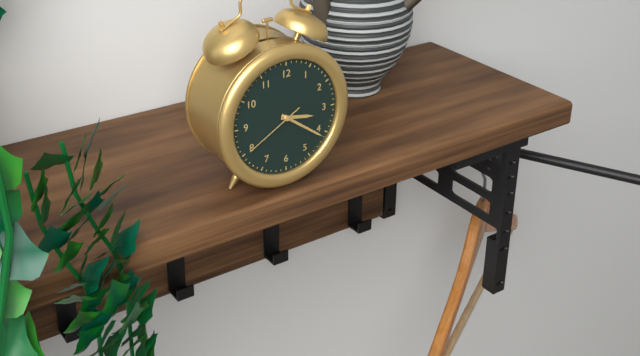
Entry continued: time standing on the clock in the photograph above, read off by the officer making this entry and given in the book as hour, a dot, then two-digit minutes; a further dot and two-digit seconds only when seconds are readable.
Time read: 3.21.40
